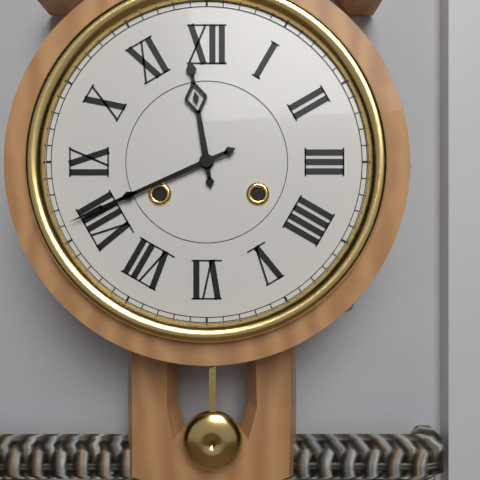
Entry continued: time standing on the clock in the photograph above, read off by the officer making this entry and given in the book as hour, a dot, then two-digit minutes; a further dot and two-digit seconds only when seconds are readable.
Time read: 11.41
